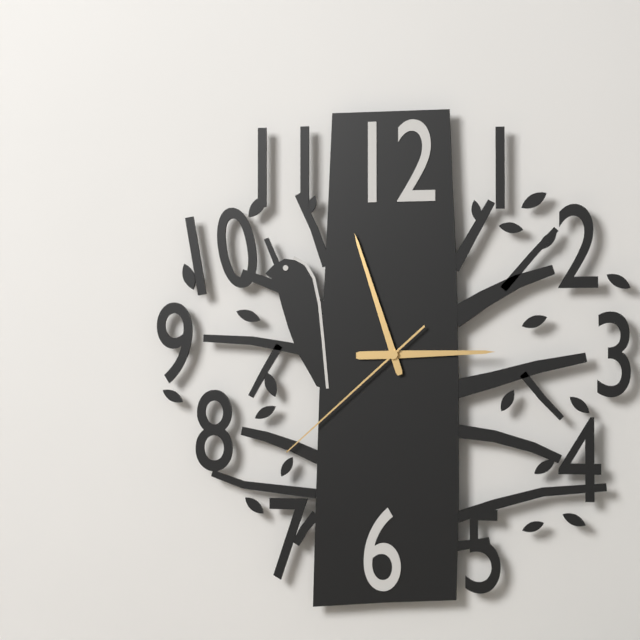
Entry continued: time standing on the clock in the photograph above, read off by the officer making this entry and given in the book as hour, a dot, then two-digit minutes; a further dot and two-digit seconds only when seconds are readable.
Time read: 2.57.38
